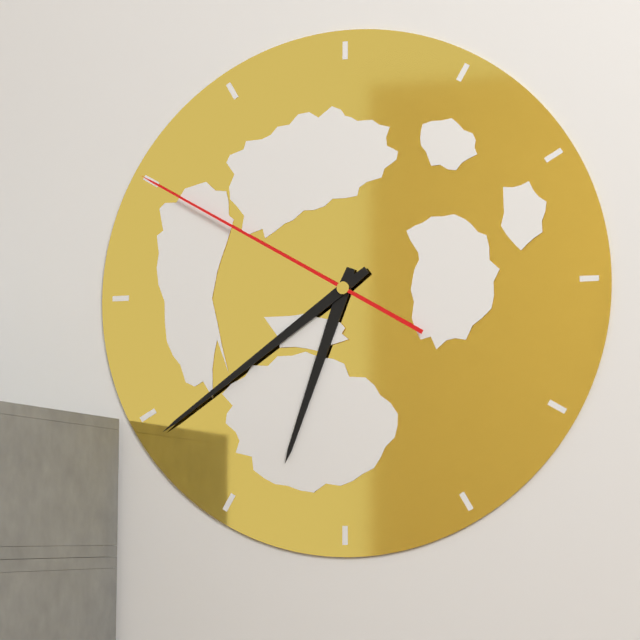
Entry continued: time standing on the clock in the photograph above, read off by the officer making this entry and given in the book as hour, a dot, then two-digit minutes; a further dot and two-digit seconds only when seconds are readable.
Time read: 6.39.50
